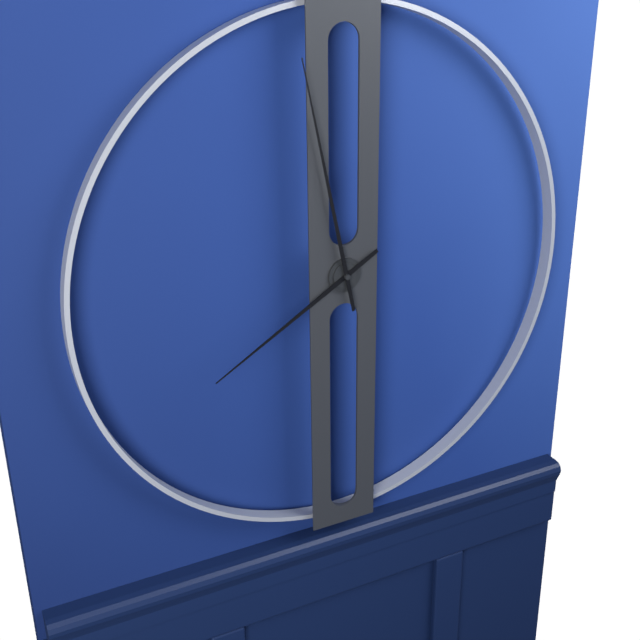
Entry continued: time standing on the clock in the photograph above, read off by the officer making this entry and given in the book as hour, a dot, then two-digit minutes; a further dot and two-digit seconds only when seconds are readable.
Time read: 7.58
